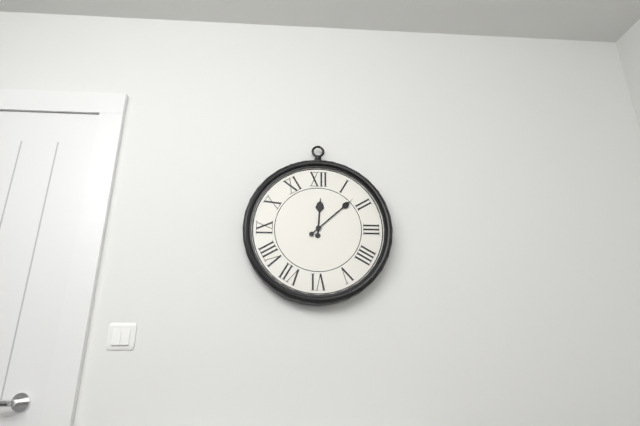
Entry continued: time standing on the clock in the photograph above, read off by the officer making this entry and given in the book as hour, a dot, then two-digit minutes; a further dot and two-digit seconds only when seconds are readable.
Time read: 12.08
